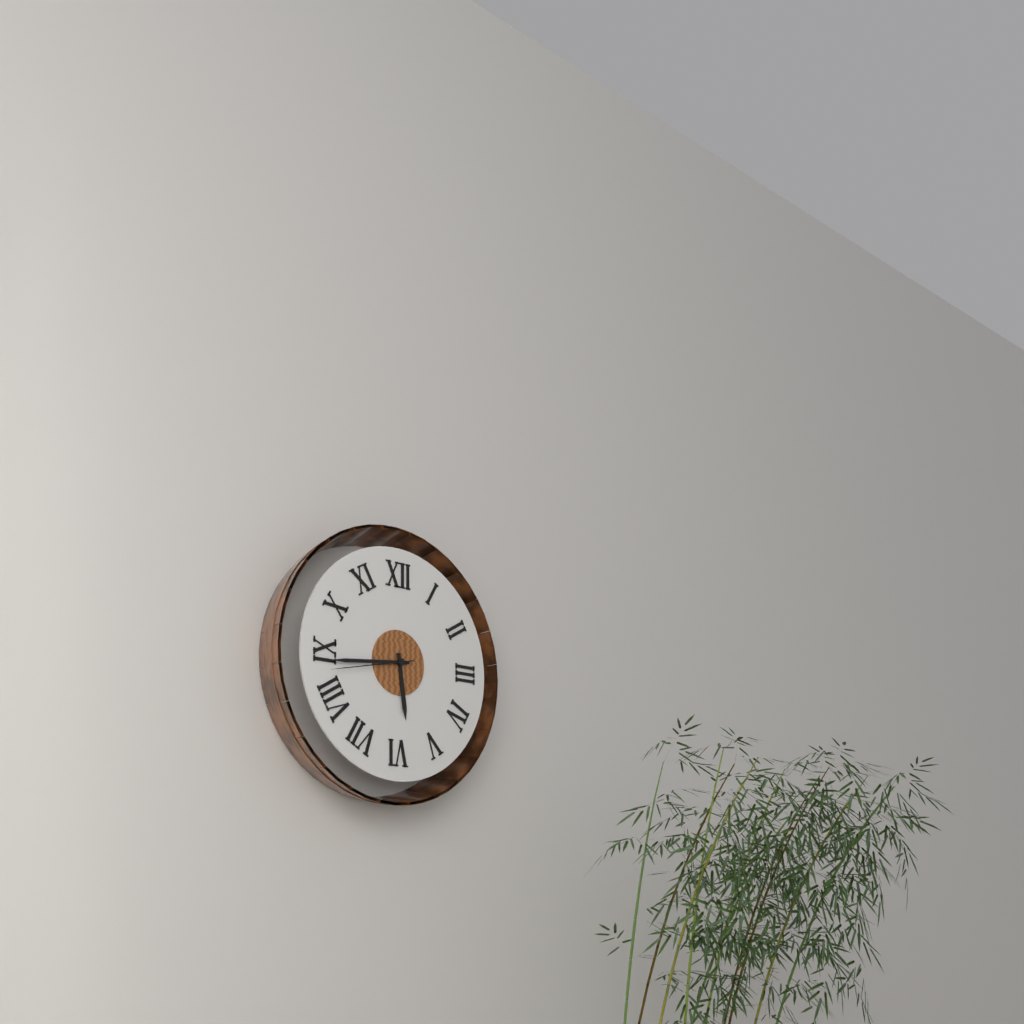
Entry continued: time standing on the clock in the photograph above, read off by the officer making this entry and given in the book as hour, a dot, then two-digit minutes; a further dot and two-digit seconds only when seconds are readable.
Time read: 5.44.43
